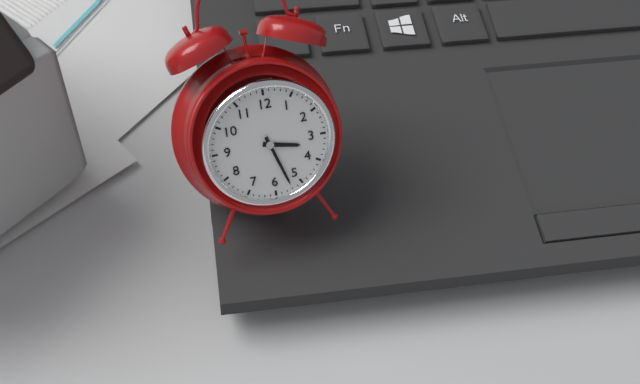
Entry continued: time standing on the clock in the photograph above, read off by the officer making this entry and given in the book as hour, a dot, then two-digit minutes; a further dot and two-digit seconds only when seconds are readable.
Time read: 3.27
